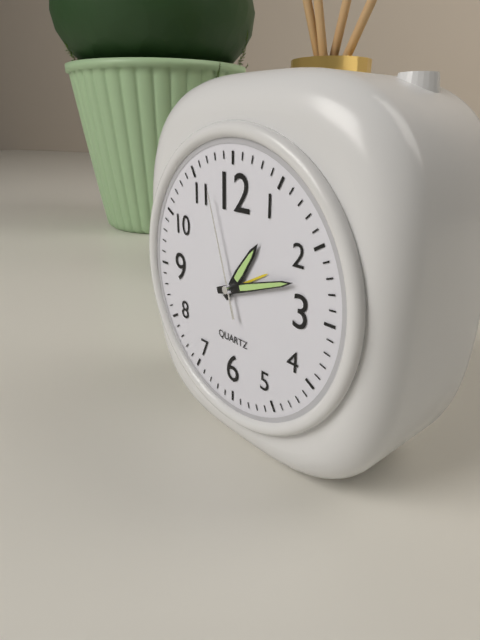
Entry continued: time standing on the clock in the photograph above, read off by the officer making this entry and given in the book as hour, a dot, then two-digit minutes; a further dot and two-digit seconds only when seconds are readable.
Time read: 1.12.57
